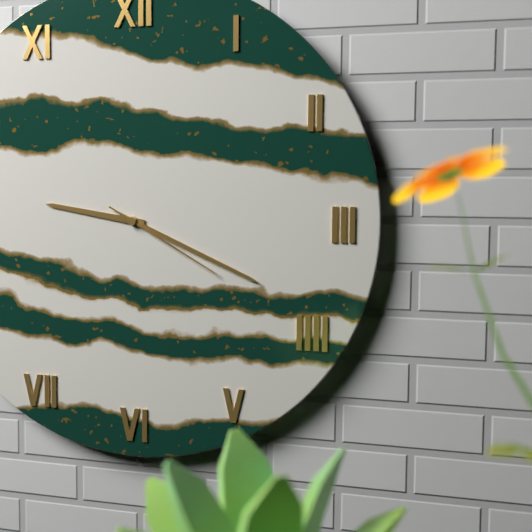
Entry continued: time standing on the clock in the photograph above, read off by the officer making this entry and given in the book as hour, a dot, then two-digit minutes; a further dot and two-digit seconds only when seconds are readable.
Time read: 9.19.20
